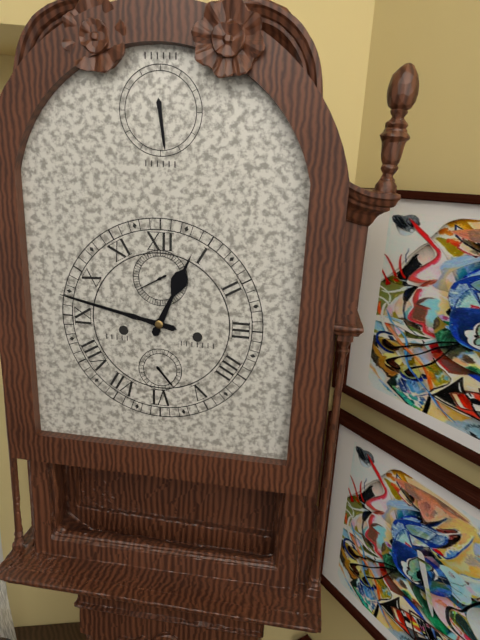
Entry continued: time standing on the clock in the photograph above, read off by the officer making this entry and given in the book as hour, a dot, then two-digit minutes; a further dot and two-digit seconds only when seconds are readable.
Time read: 12.47
